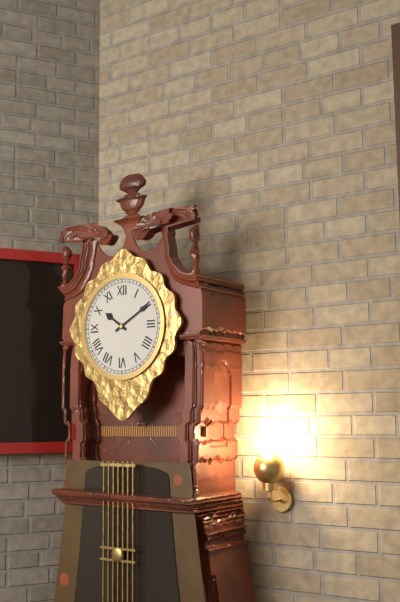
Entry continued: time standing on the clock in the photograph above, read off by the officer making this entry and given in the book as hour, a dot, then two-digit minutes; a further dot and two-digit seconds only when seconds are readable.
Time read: 10.10
